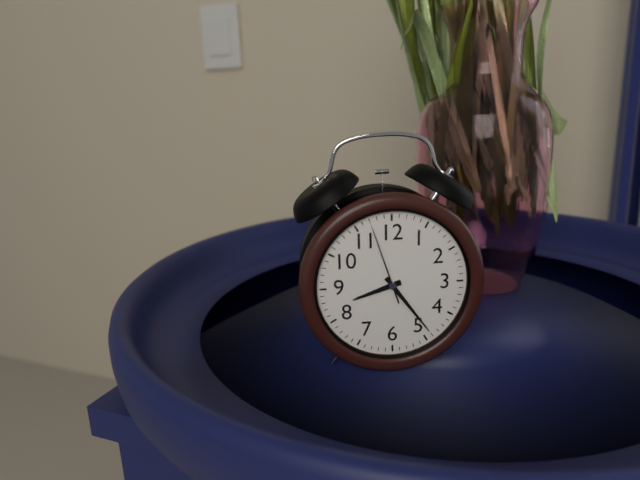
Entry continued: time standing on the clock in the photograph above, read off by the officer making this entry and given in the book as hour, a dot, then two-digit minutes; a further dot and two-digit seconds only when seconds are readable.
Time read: 8.24.57
